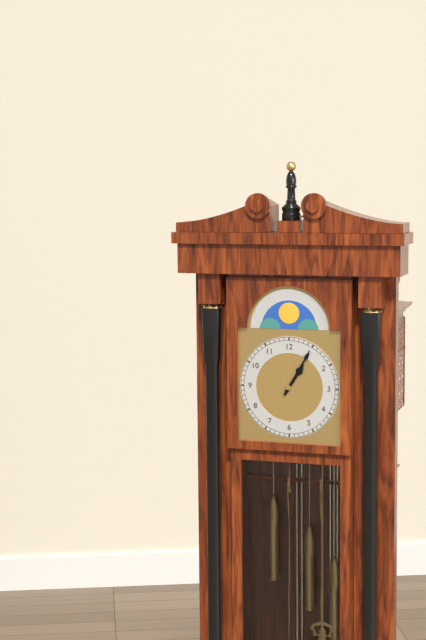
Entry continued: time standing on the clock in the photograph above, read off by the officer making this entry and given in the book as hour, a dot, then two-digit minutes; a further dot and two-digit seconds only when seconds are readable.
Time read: 1.05
